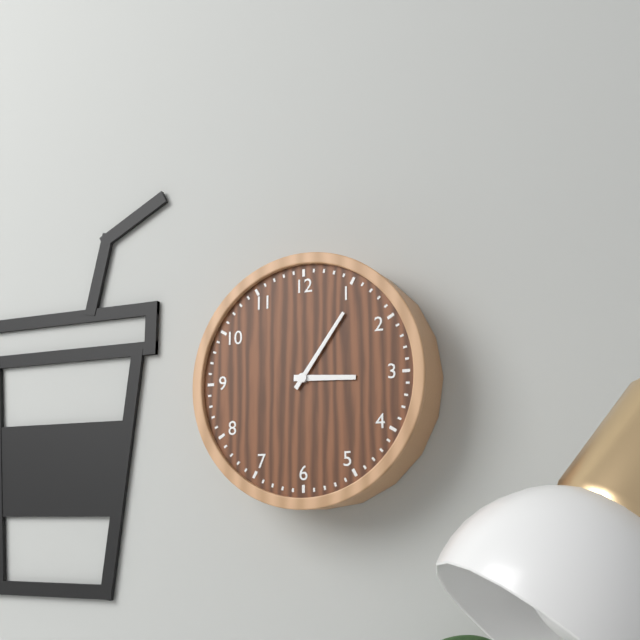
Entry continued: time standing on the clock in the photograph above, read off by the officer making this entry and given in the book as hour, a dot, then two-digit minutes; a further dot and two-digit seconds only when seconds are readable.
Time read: 3.06
